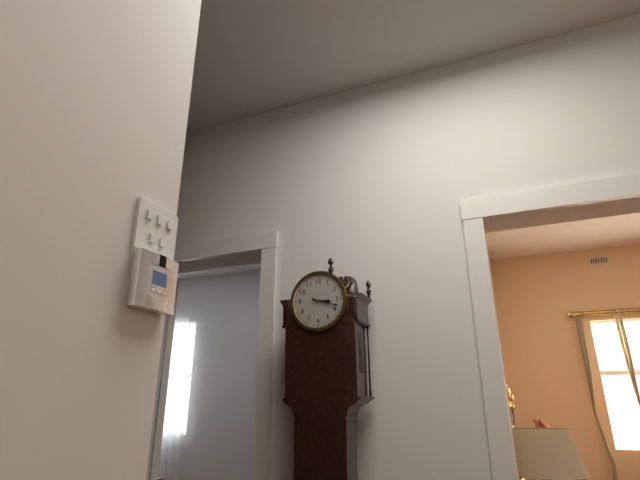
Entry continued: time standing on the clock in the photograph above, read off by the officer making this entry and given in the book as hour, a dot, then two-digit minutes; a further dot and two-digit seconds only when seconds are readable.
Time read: 3.18
